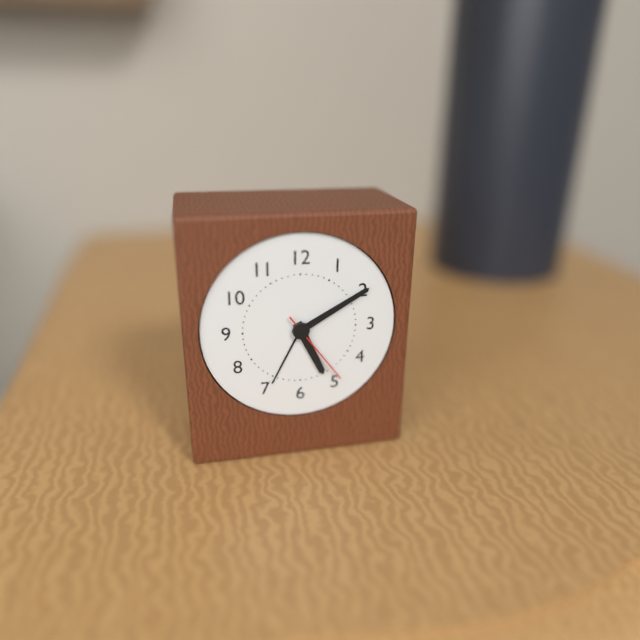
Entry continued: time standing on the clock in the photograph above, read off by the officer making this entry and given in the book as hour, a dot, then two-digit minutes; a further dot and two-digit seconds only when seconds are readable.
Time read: 5.10.24
